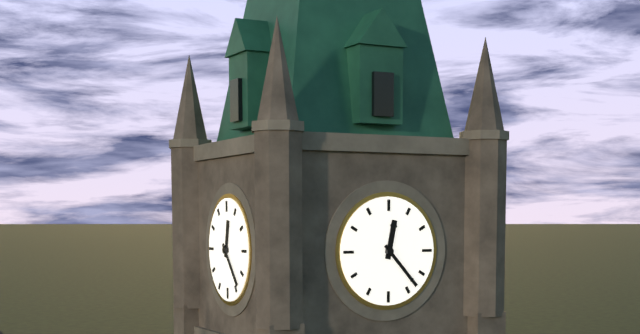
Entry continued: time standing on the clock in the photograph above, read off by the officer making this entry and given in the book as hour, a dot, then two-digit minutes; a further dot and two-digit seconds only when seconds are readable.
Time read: 12.23
